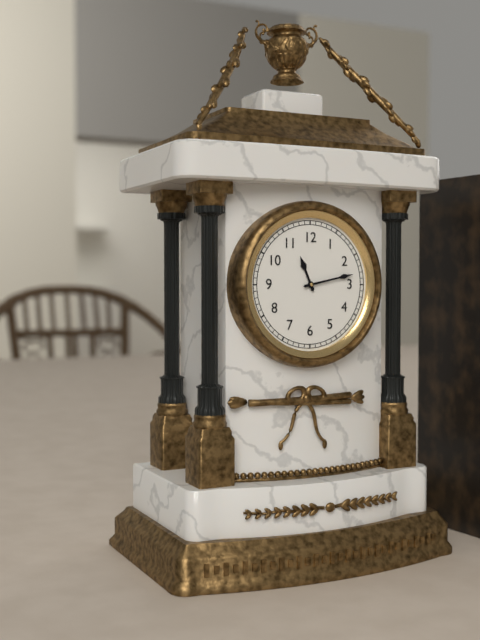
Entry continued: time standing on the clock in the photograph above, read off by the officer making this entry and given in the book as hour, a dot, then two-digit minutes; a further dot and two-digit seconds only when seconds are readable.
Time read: 11.13
